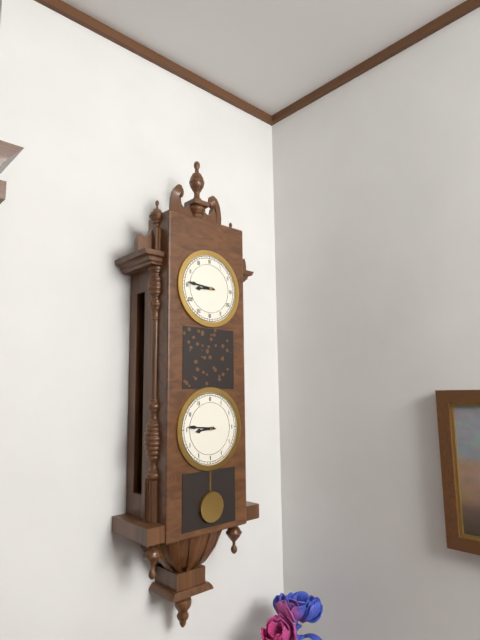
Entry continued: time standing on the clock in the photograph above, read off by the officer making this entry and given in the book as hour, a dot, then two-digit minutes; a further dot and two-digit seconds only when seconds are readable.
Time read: 8.46
